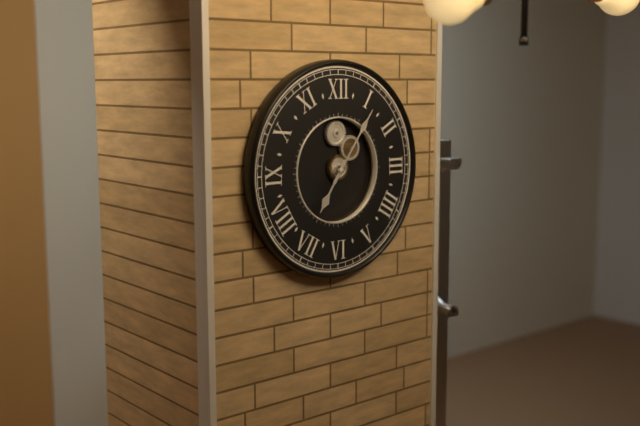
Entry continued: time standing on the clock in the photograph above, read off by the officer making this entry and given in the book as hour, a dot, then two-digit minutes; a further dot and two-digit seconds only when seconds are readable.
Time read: 7.06
